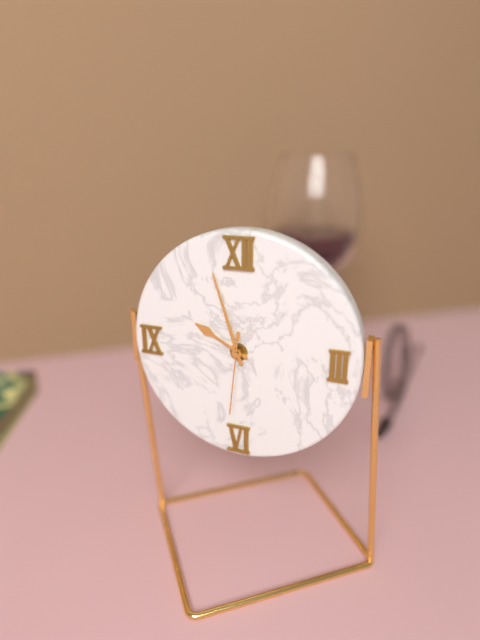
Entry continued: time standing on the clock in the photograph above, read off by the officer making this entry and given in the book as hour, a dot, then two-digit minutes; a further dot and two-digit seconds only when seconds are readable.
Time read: 9.57.31
